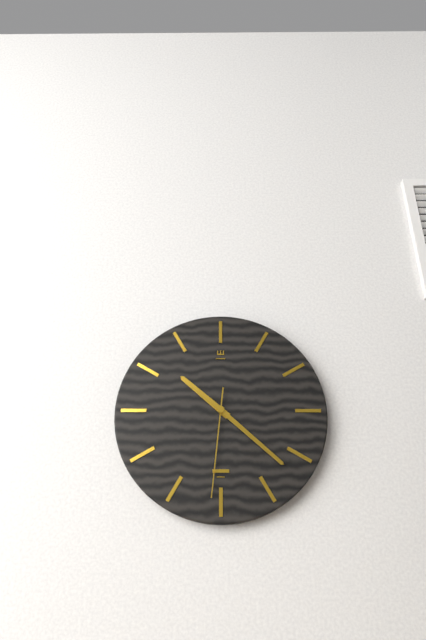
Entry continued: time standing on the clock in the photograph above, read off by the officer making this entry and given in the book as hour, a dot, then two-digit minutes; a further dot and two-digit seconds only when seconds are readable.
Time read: 10.22.31
